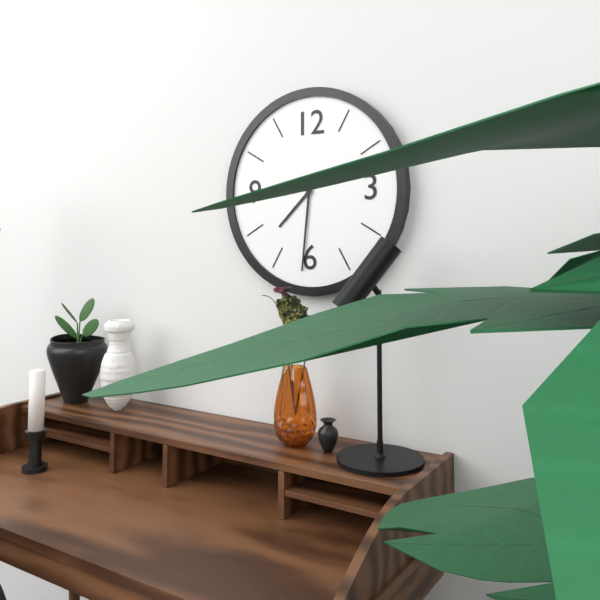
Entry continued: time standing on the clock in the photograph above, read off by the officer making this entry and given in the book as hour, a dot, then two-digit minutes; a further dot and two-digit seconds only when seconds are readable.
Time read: 7.31
